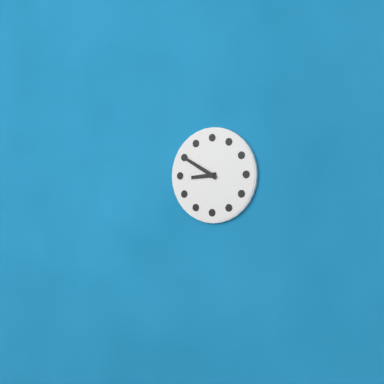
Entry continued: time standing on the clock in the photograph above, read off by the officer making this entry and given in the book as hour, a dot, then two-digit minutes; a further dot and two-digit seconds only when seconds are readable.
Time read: 8.50
